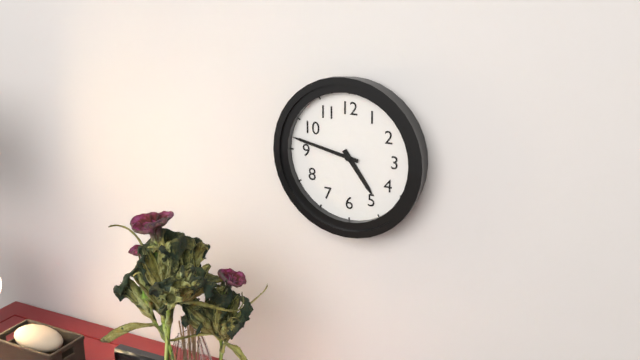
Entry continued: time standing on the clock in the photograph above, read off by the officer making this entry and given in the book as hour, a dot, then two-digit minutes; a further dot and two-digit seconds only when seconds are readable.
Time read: 4.47
